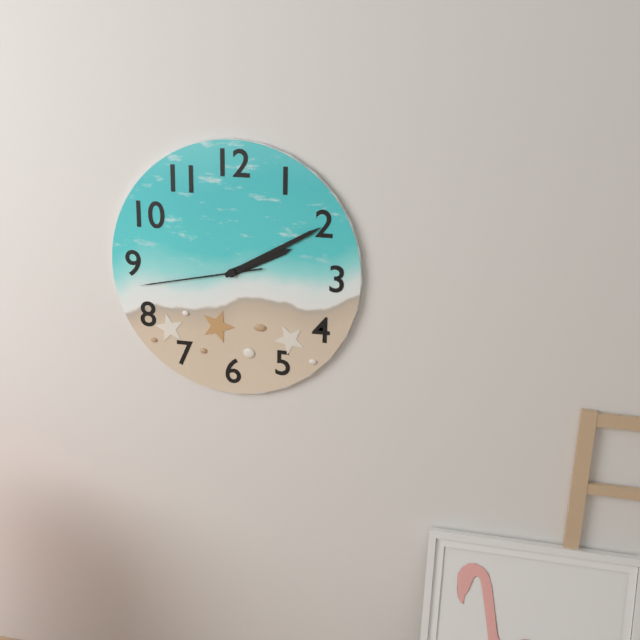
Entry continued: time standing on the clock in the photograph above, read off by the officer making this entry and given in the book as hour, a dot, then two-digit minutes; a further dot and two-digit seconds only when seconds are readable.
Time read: 2.10.43
